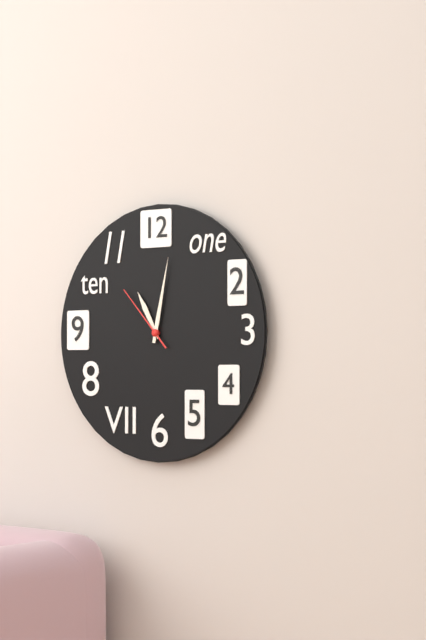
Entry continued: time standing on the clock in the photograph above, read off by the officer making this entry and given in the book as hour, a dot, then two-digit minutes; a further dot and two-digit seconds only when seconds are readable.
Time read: 11.02.53
